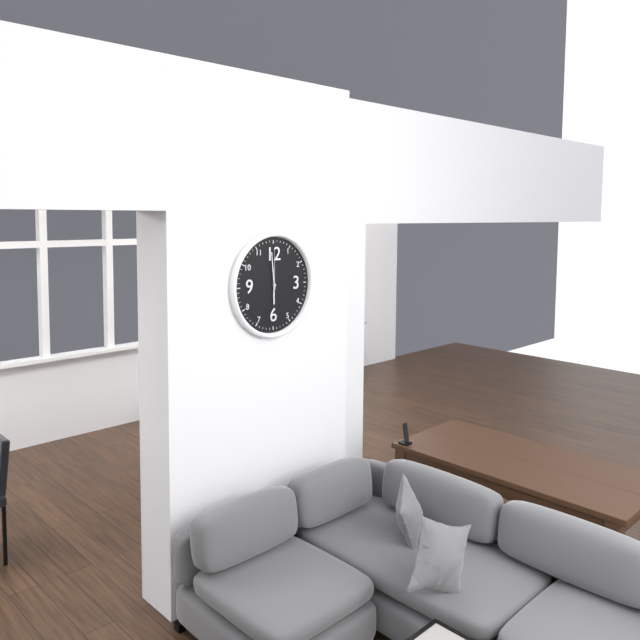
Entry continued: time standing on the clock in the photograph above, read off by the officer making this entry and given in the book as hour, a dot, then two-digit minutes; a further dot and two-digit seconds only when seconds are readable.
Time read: 5.59
